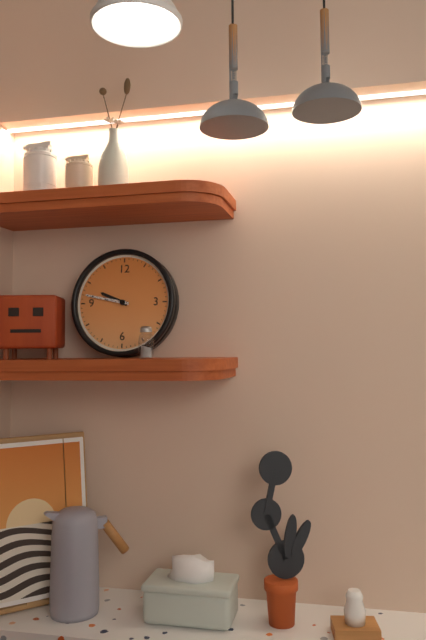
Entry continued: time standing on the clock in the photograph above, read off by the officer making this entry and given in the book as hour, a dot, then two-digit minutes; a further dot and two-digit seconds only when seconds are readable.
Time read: 9.47
